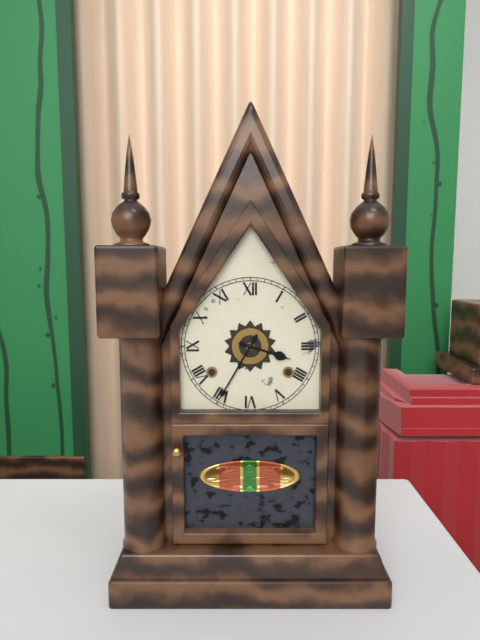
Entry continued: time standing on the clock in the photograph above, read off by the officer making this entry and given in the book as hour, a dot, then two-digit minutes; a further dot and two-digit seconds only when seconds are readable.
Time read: 3.35
